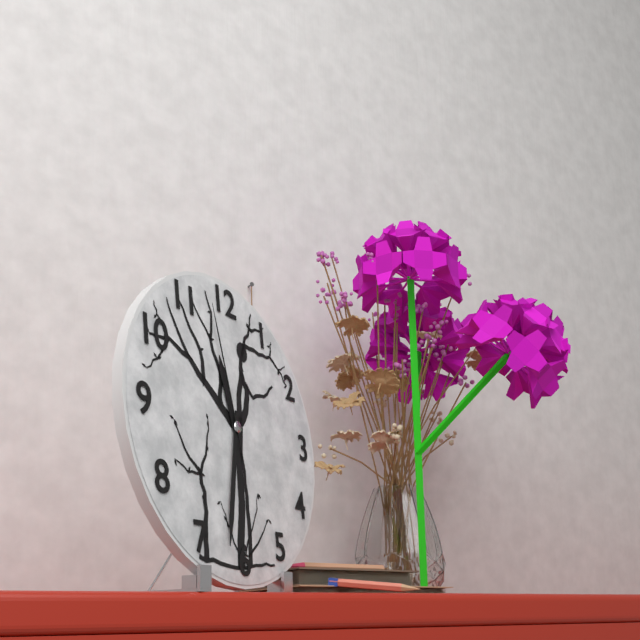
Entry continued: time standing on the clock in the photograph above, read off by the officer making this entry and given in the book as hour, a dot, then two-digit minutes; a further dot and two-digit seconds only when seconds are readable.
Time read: 11.32.58
